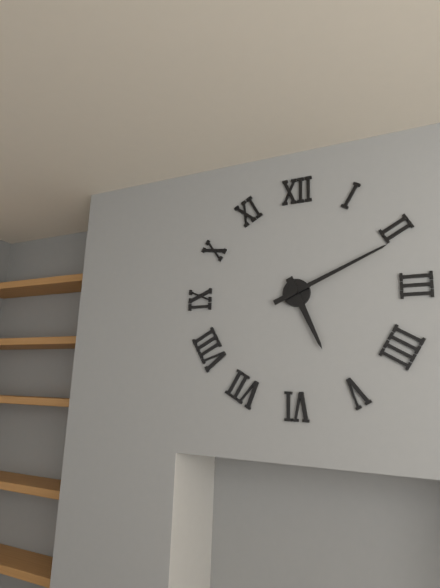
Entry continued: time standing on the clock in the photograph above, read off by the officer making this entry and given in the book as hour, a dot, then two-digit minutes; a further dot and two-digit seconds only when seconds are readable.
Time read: 5.11
